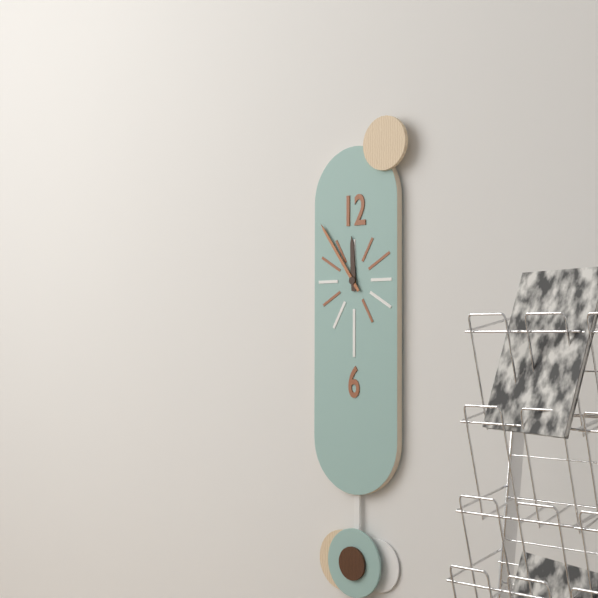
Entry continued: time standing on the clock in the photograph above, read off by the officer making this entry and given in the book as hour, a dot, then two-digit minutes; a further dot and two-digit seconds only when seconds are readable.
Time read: 11.54
